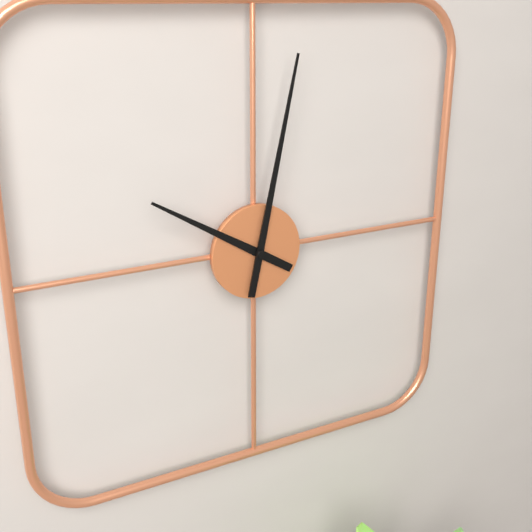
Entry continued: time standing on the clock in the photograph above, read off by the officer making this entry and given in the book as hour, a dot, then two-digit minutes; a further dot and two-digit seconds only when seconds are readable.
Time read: 10.02
